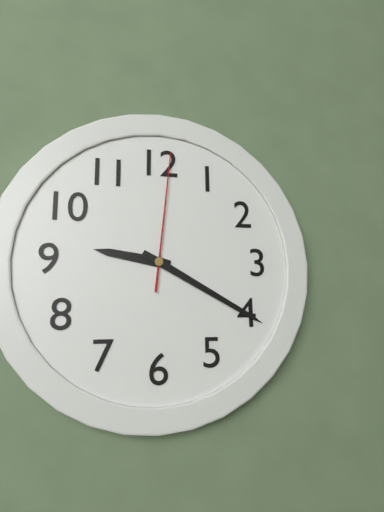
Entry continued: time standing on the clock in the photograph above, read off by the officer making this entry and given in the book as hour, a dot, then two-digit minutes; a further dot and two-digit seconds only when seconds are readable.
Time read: 9.20.01
